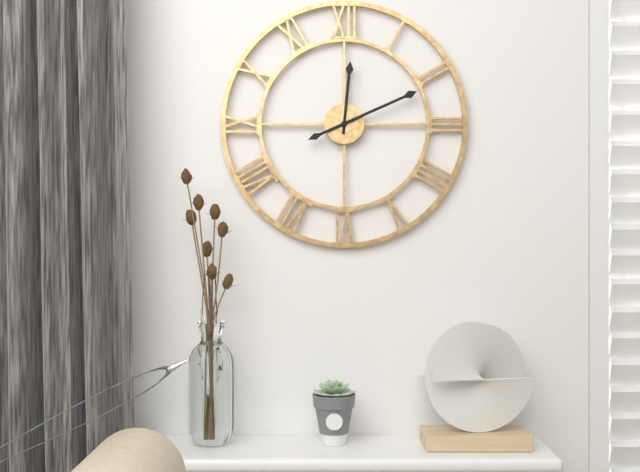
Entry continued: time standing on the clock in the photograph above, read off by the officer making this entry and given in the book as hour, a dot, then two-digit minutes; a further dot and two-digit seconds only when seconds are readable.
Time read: 12.11
